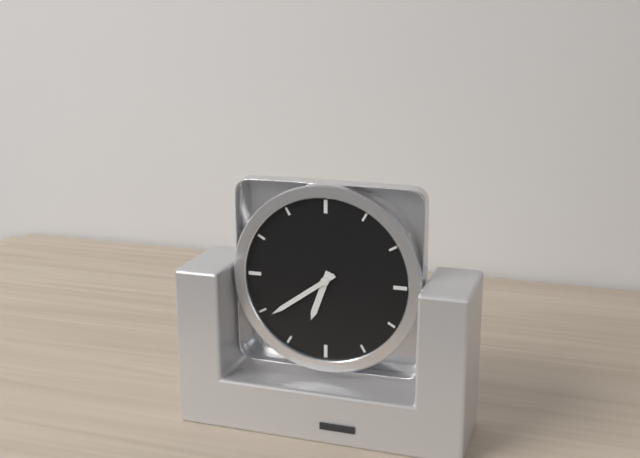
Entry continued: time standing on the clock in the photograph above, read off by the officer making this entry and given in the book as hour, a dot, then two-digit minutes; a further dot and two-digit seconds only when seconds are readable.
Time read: 6.39
